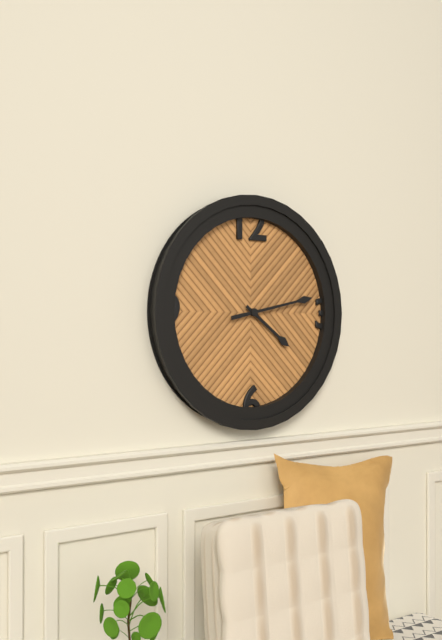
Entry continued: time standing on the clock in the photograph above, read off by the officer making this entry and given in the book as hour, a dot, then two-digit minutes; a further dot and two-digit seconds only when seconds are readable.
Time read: 4.13
